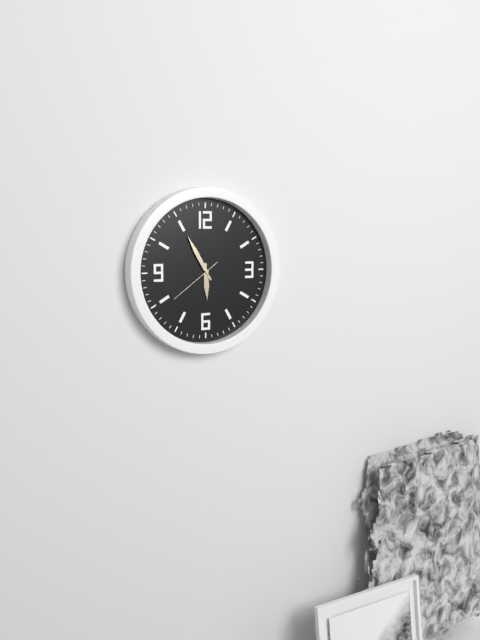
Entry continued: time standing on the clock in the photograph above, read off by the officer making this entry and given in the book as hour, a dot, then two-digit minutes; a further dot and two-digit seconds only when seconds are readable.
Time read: 5.55.39
